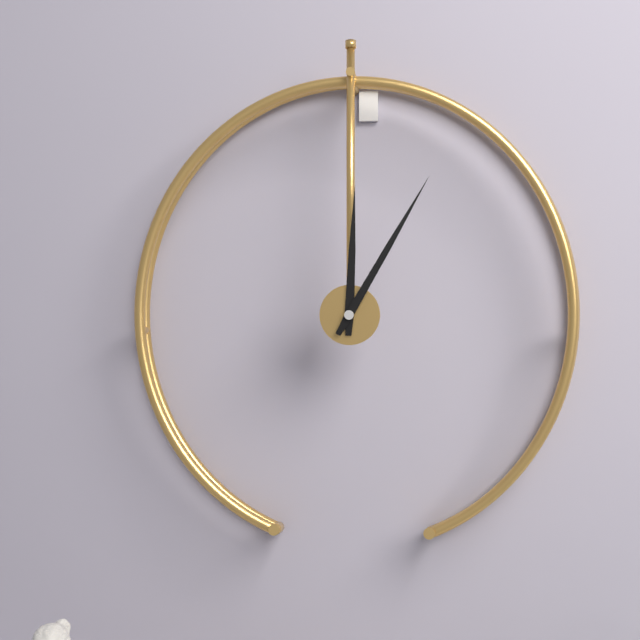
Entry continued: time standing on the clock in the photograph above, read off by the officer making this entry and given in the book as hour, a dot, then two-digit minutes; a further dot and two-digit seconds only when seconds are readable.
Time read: 12.05
